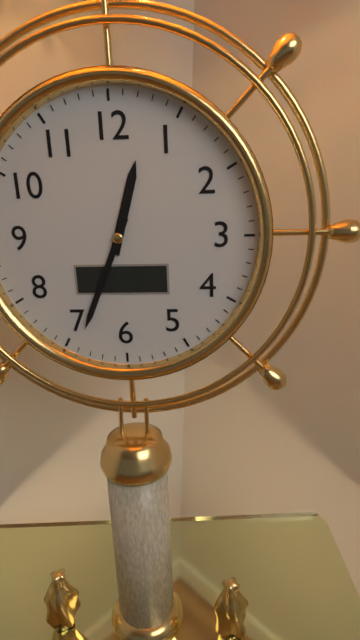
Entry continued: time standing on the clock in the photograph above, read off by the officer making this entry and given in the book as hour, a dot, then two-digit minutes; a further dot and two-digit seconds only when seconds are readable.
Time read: 12.34
